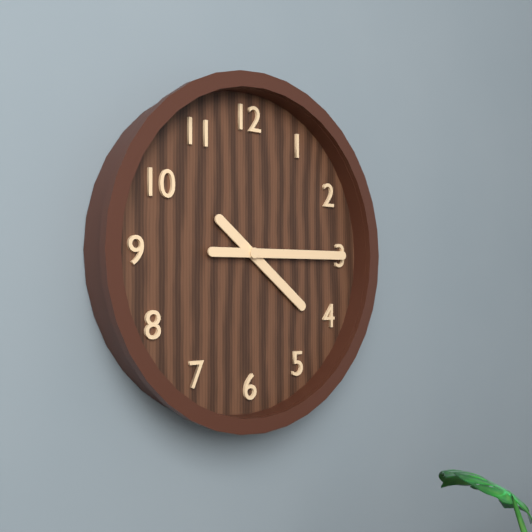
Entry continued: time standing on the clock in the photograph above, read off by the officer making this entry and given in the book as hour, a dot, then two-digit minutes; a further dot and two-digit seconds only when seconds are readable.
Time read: 4.15
